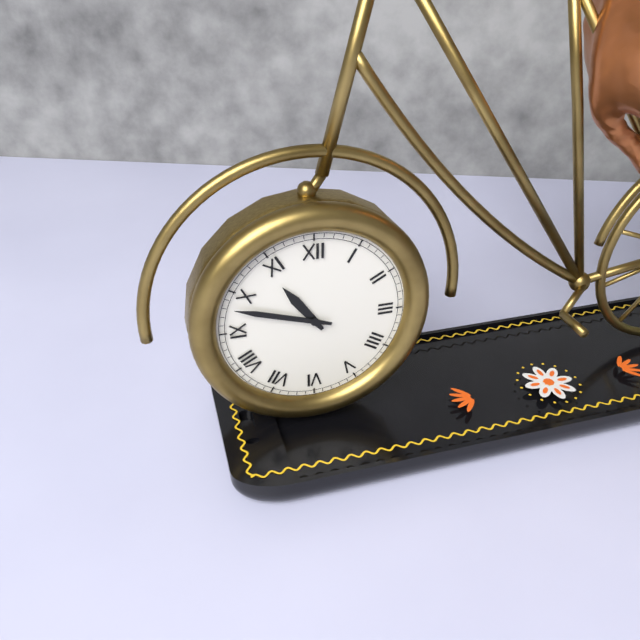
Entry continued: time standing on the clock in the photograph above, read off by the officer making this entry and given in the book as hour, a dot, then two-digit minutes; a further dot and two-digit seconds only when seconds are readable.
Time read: 10.48
